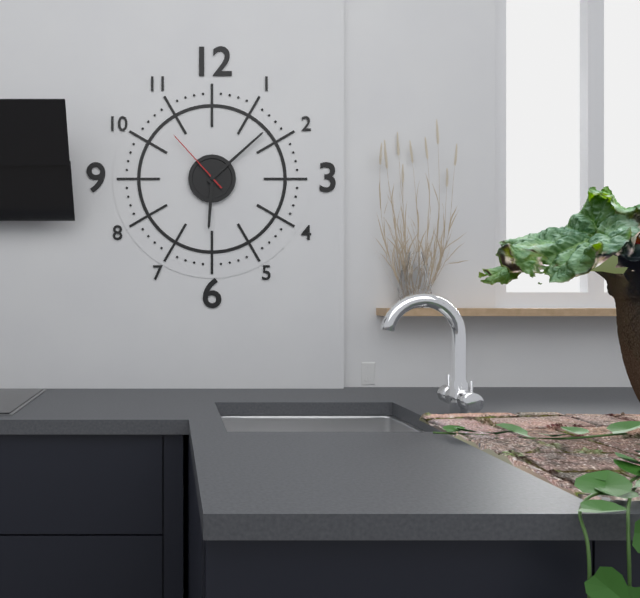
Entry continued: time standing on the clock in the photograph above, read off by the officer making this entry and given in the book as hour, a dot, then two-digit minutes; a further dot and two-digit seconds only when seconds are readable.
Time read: 6.08.53
